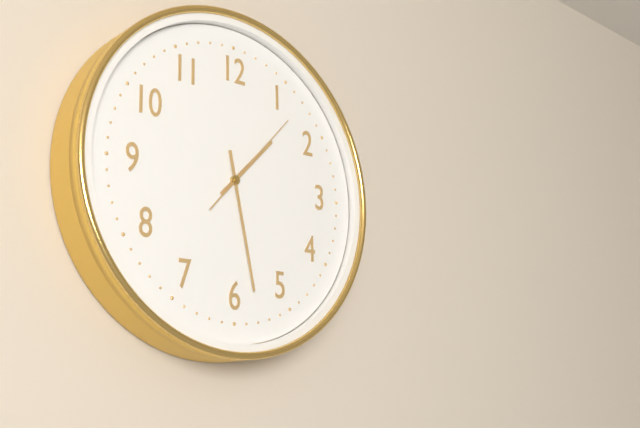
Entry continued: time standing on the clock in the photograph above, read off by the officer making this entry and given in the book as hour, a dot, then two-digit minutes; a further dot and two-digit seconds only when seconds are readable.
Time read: 1.28.07
